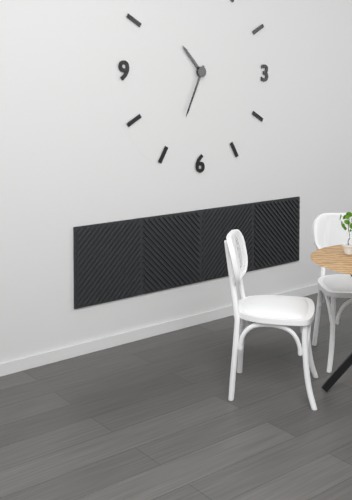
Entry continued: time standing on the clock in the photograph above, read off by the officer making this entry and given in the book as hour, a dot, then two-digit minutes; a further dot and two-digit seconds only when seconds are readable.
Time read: 10.34
